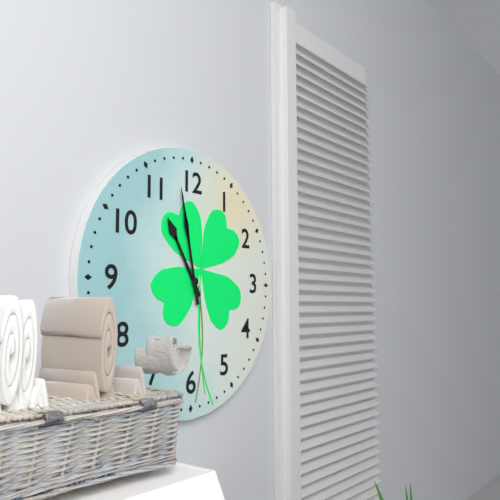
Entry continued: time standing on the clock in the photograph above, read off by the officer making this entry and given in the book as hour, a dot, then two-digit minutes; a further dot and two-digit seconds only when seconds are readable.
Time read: 10.58
